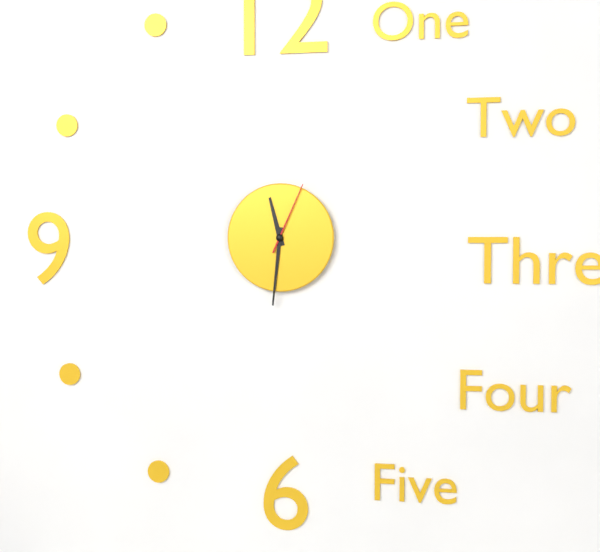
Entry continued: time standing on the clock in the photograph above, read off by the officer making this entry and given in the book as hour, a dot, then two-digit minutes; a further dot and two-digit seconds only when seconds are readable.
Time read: 11.31.04
